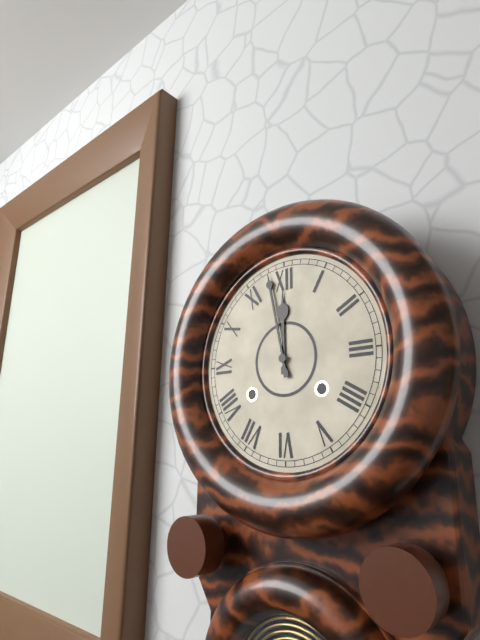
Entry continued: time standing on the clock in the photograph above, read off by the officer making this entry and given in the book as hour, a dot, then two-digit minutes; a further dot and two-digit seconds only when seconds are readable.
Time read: 11.58
